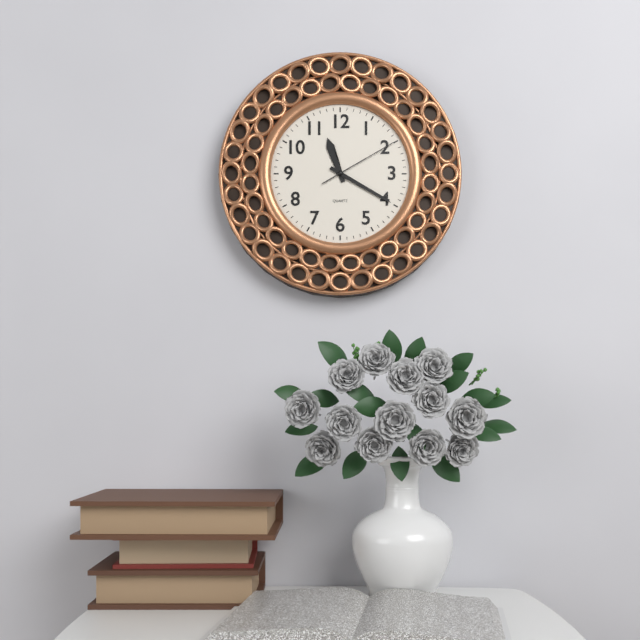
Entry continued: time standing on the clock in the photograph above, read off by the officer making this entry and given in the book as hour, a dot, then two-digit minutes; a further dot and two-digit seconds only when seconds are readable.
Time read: 11.20.10
